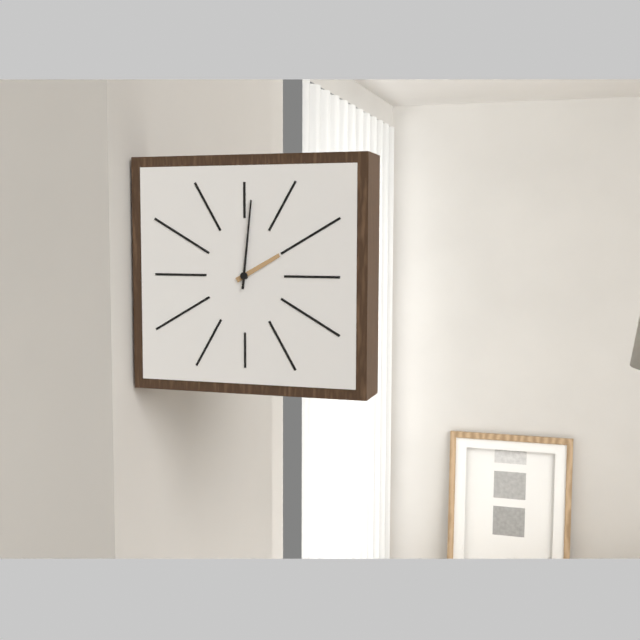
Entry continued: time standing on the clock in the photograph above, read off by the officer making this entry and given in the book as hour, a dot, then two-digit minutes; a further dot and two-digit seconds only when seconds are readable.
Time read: 2.01
